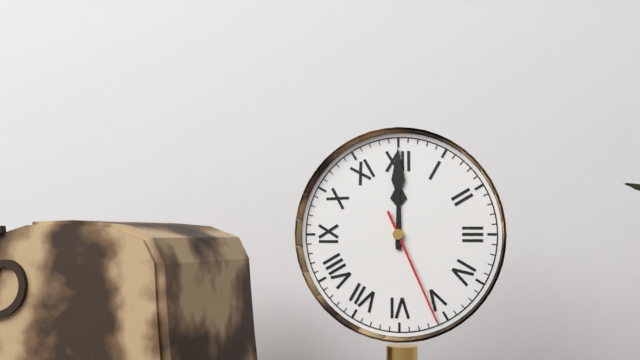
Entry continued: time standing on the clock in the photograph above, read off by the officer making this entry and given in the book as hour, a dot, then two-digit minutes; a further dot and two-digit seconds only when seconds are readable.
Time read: 12.00.26
